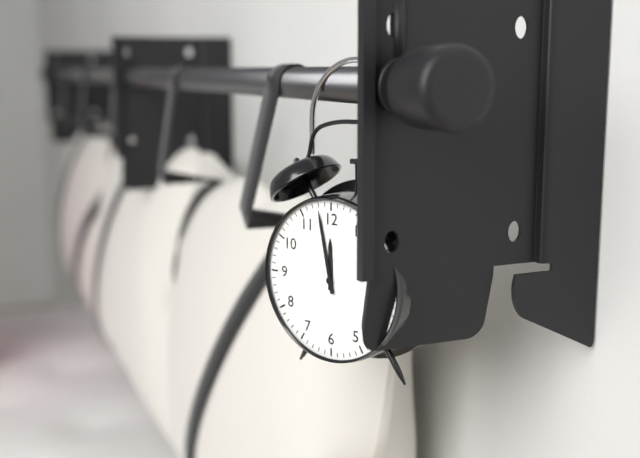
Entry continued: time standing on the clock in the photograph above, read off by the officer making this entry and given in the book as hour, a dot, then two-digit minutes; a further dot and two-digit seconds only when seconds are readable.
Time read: 11.58
